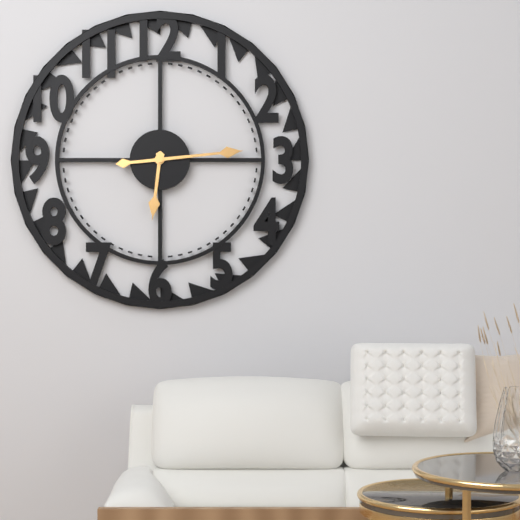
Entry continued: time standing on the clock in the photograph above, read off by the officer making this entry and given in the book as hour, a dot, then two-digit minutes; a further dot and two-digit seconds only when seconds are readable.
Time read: 6.14
